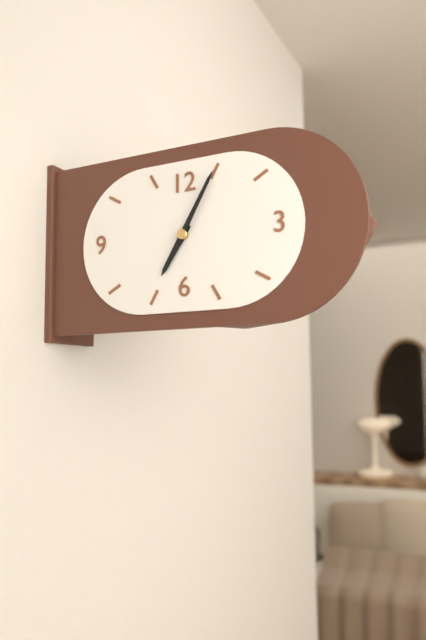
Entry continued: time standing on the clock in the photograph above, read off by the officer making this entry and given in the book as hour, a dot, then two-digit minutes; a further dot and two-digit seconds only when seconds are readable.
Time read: 7.05
